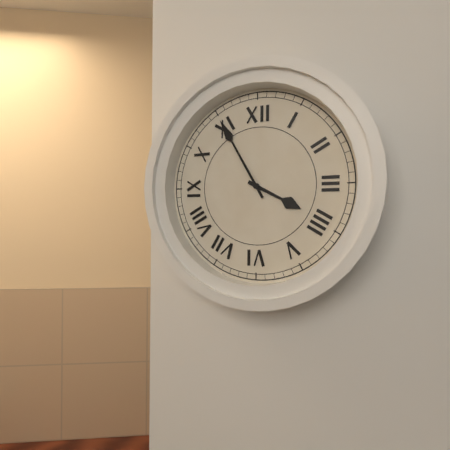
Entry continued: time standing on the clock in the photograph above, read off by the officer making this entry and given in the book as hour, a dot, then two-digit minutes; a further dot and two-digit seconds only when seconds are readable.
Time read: 3.55
